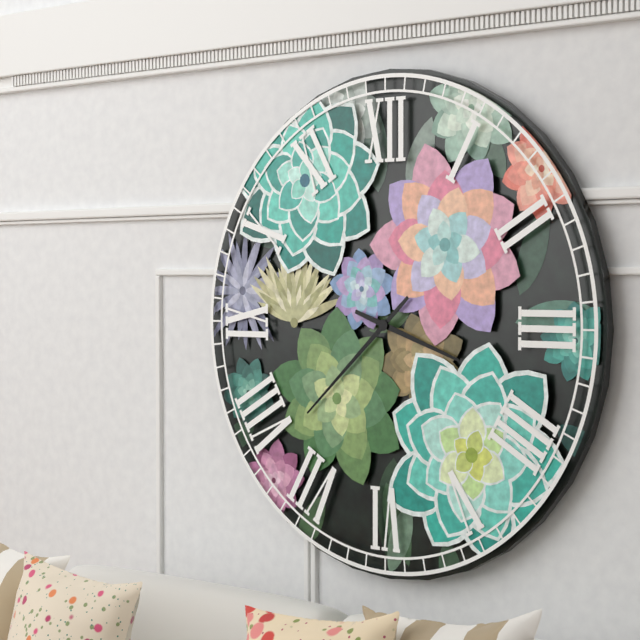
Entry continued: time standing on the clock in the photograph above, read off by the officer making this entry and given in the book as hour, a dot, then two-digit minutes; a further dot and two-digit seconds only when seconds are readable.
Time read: 3.38
